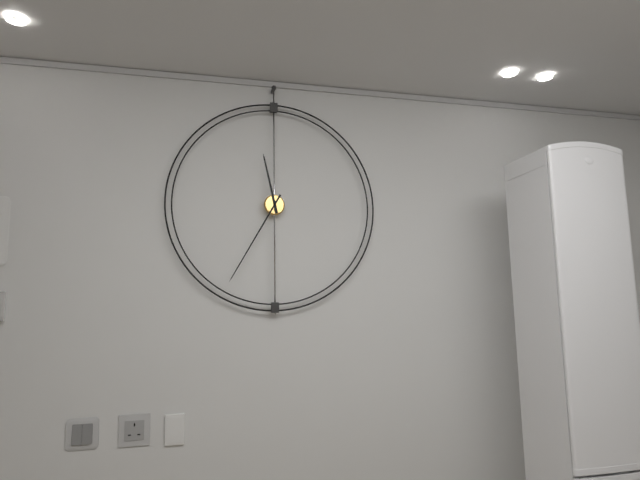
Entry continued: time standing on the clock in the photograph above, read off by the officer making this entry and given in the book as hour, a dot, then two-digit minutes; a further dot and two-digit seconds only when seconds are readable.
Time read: 11.35
